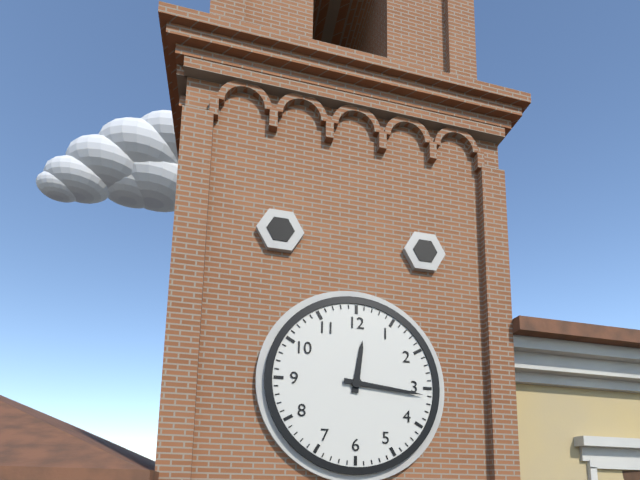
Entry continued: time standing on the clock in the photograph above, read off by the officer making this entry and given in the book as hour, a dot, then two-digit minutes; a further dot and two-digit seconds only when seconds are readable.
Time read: 12.16
